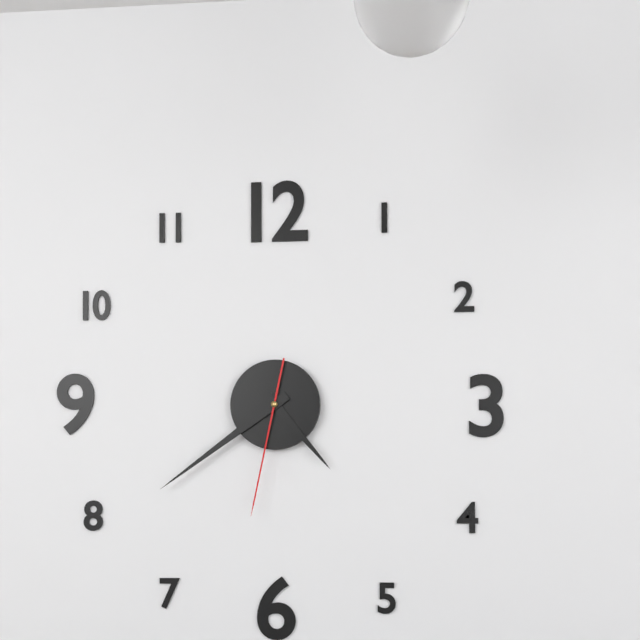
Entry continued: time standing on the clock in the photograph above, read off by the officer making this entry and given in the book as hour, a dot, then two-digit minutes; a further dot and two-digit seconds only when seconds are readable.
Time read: 4.39.32
